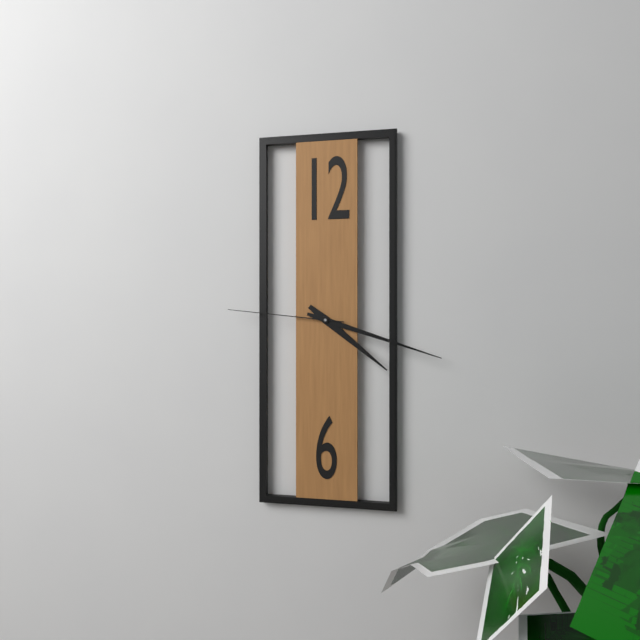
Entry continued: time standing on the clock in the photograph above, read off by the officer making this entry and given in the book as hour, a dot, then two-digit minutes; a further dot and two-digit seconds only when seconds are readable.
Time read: 4.18.46
